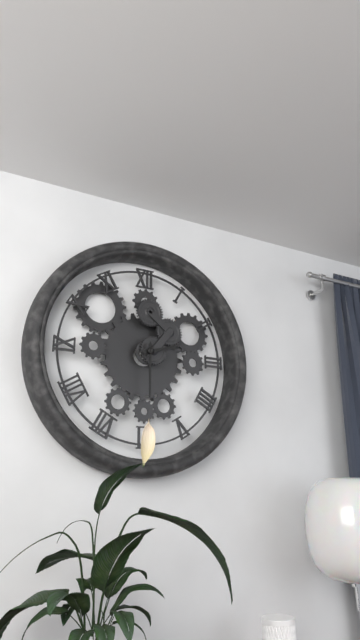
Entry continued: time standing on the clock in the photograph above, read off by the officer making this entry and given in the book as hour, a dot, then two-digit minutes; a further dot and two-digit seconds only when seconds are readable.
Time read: 2.30
